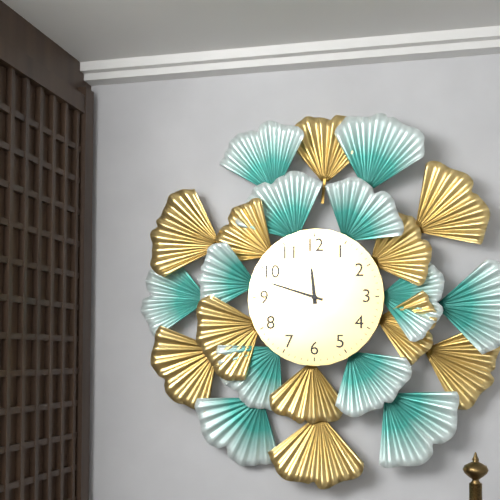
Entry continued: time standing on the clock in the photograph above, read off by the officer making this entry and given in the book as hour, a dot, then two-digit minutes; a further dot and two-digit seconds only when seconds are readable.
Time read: 11.48
